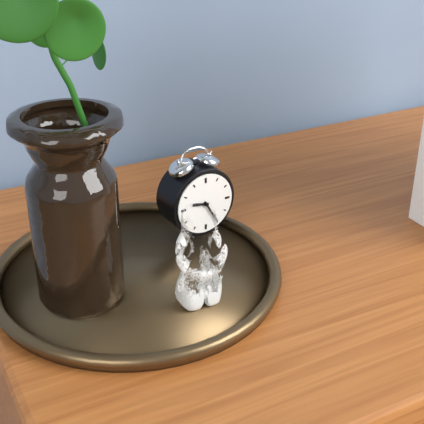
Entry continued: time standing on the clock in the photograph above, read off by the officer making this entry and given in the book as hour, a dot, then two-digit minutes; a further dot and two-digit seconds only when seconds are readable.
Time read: 9.25
